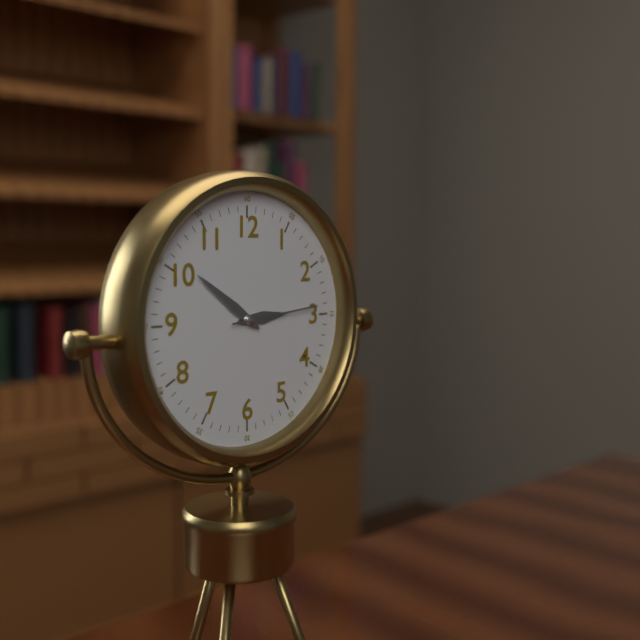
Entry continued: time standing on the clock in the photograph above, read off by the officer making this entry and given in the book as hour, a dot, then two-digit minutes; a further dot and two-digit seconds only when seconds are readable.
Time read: 2.51.14
